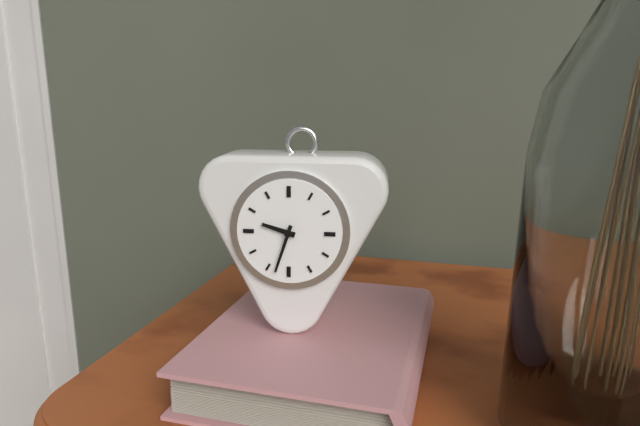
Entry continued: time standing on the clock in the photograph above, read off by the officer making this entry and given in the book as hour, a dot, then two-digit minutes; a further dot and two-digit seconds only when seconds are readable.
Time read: 9.33
